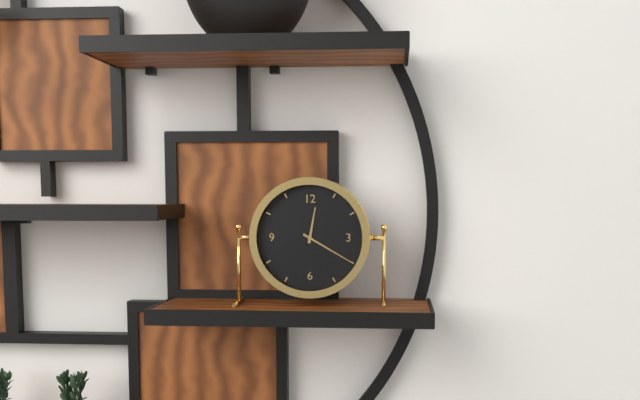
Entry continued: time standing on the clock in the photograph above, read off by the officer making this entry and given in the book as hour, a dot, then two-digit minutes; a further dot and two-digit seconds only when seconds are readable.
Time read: 12.20
